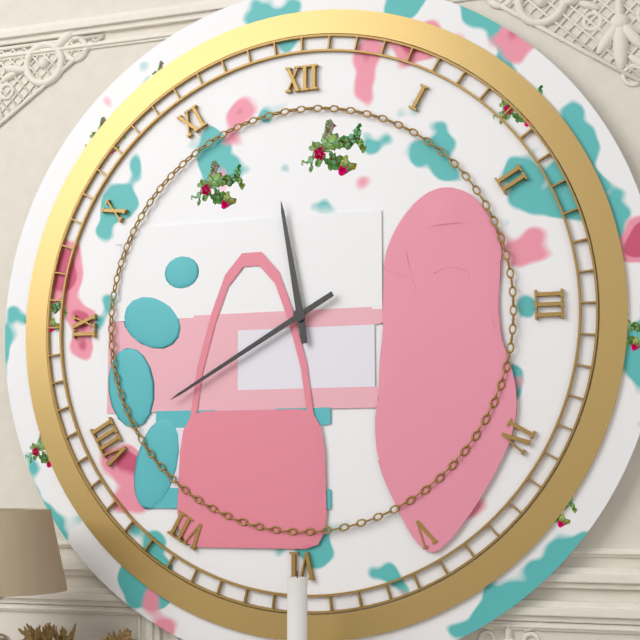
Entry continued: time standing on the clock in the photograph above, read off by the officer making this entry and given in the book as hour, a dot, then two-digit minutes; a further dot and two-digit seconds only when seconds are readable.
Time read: 11.40
